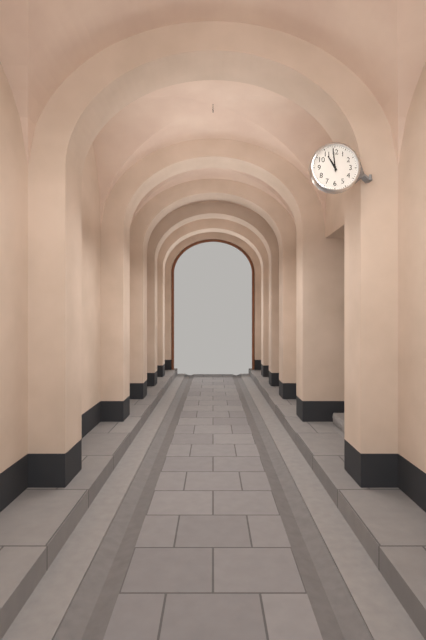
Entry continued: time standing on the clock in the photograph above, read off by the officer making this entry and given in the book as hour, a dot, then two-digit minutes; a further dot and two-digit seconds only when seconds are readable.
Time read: 10.59
